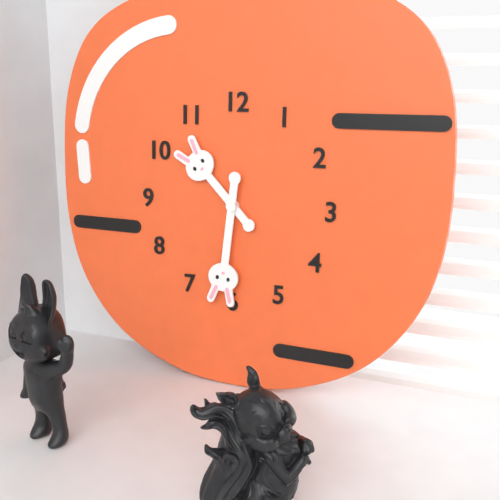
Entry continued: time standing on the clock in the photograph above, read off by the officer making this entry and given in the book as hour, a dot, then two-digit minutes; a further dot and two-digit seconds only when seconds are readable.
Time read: 10.31
